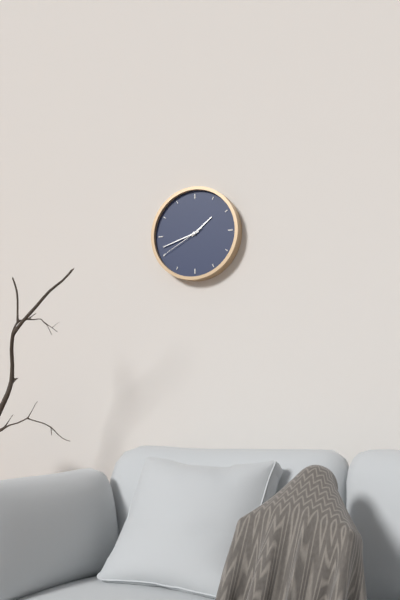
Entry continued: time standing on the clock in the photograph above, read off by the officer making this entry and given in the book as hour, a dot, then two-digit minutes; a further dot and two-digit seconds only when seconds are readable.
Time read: 1.42
